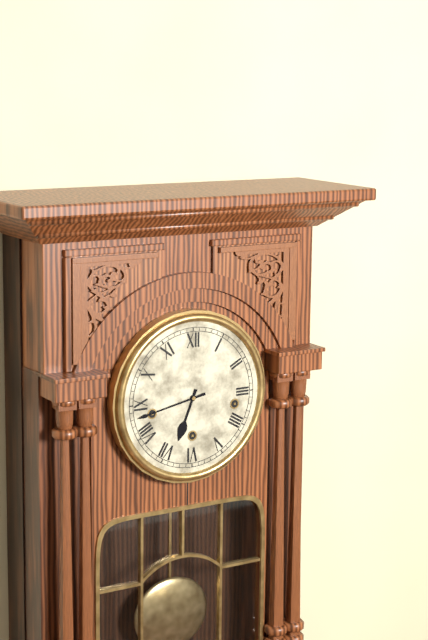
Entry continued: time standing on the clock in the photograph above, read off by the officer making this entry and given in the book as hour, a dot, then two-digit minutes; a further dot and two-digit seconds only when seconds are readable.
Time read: 6.43
